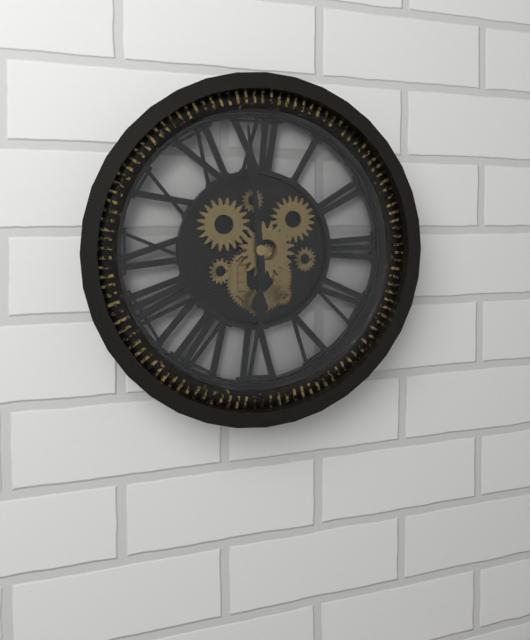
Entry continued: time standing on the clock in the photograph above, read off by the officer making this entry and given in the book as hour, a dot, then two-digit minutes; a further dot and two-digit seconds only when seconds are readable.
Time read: 5.59
